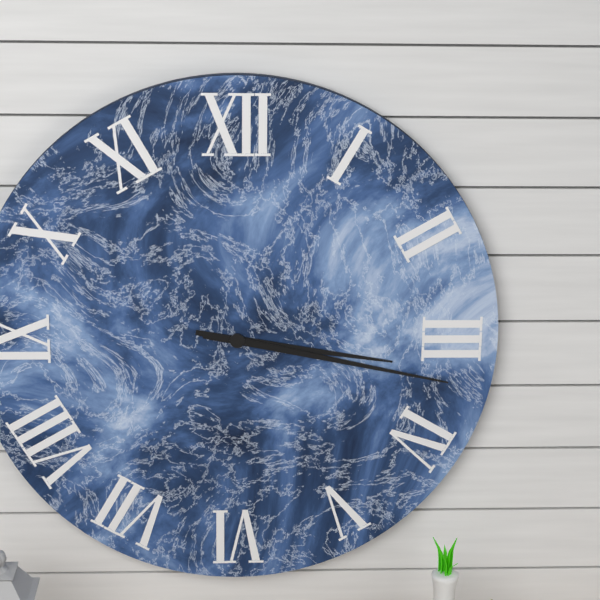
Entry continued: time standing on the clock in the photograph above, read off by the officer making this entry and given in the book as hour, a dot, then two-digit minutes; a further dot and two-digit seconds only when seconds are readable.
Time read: 3.17
